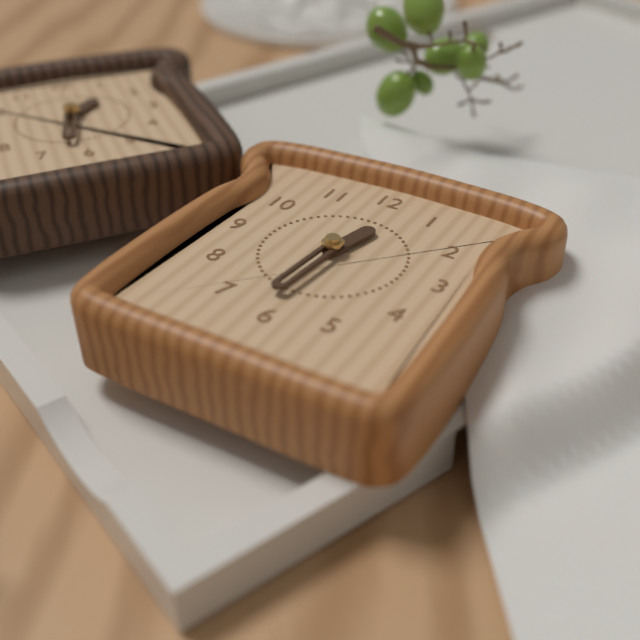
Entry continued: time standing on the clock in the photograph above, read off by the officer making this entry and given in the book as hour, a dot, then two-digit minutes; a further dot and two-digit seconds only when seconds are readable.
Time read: 12.31
